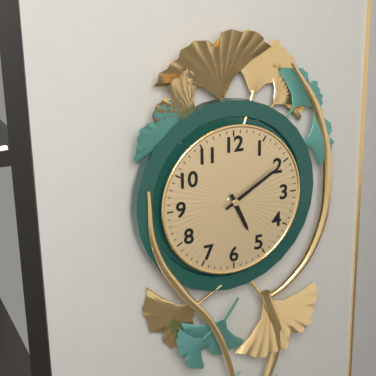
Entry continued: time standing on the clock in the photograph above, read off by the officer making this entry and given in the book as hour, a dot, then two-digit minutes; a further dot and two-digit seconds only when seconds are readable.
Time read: 5.10
